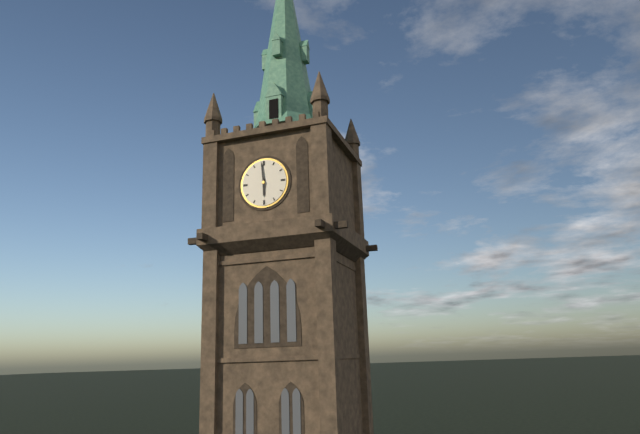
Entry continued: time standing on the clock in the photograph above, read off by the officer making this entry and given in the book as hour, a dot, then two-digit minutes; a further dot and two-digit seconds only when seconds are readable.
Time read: 5.59
